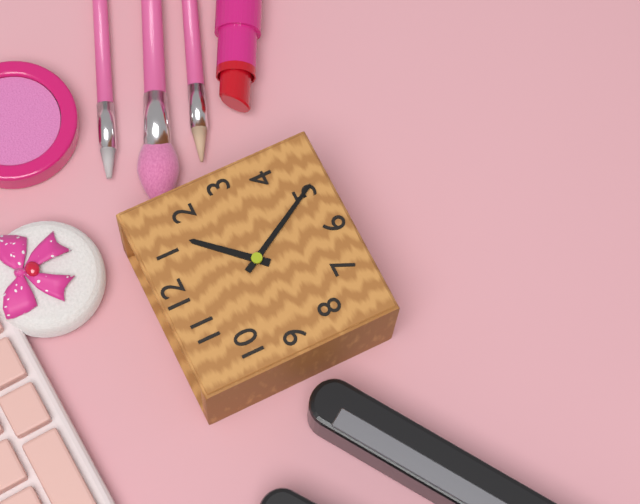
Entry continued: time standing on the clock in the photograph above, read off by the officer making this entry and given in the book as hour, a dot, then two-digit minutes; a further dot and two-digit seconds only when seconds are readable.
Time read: 1.25
